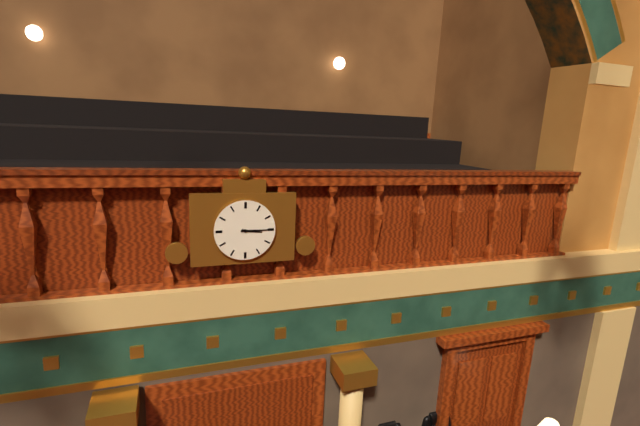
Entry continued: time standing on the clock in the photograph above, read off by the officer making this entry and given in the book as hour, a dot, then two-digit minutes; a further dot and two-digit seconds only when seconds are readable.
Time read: 3.15
